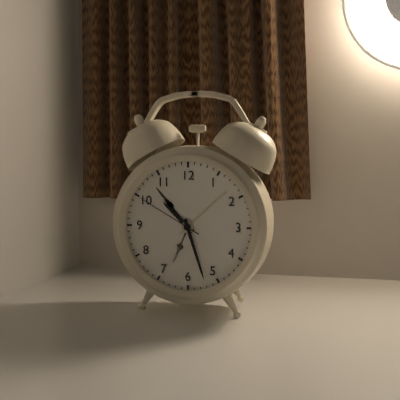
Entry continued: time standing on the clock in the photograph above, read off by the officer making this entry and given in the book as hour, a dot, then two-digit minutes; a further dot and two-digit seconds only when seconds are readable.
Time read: 10.27.50
